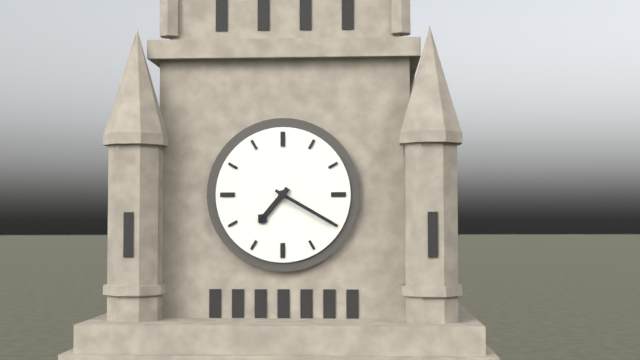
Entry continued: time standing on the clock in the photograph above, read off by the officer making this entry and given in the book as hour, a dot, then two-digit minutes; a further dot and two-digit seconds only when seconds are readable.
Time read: 7.20
